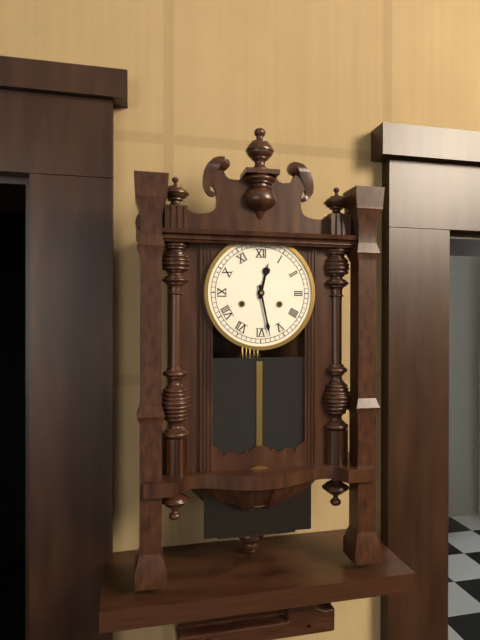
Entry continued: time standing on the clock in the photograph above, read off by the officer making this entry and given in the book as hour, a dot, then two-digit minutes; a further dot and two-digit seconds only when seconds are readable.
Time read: 12.28
